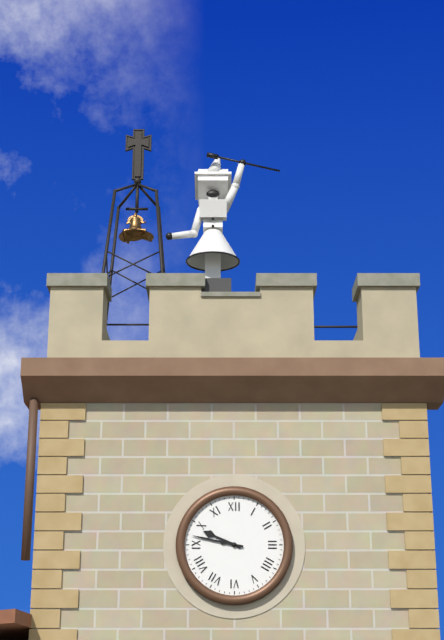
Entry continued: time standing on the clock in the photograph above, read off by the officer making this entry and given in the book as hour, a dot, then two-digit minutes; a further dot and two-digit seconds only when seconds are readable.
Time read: 9.47
